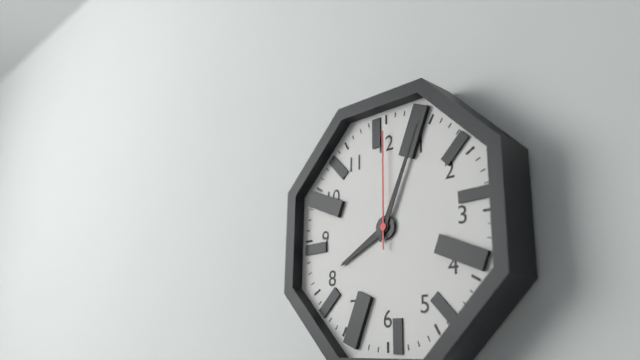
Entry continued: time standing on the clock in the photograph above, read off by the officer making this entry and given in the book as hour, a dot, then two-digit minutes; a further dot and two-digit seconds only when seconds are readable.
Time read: 8.04.00
